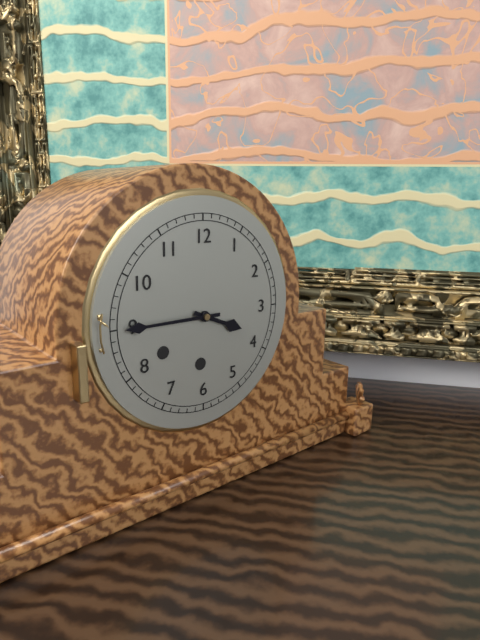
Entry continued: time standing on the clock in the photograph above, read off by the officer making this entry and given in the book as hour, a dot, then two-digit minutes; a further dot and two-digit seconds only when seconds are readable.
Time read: 3.45
